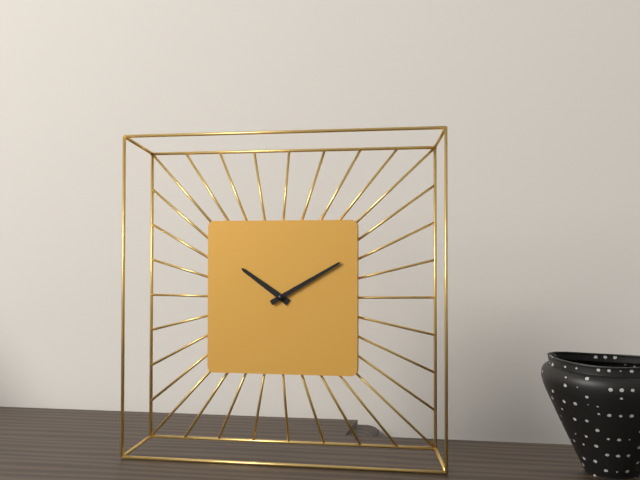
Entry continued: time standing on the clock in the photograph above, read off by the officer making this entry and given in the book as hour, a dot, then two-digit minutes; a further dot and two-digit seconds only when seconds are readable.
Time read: 10.10
